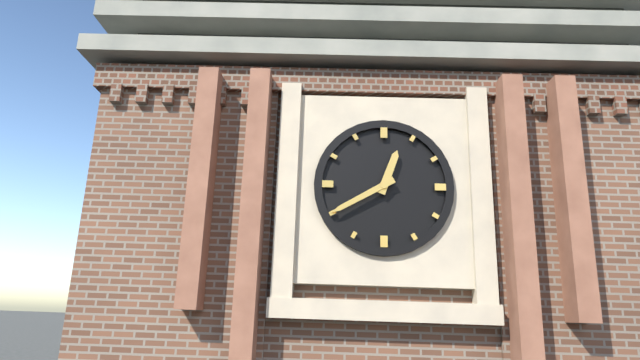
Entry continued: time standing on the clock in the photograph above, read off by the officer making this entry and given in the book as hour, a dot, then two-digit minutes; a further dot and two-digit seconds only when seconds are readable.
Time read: 12.40
